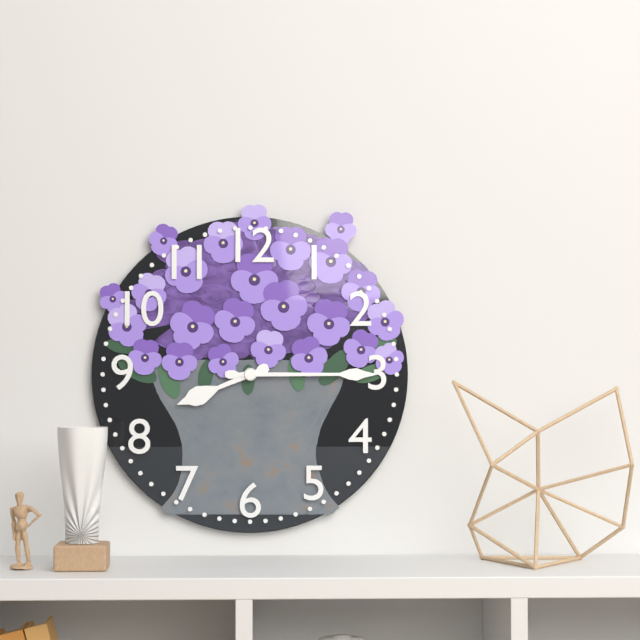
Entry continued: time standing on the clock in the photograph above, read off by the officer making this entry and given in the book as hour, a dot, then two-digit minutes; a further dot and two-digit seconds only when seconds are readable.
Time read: 8.15
